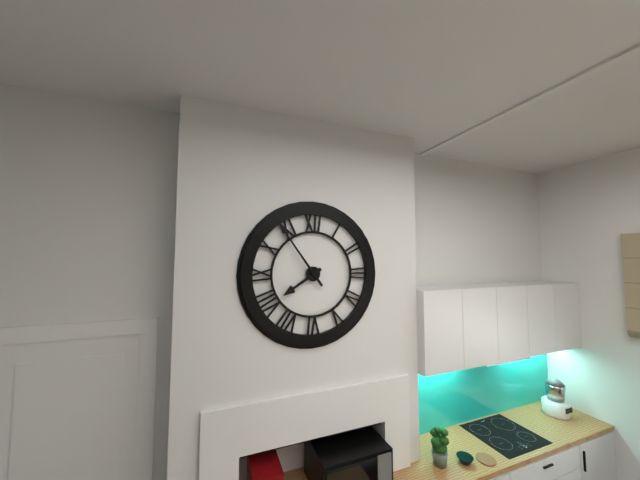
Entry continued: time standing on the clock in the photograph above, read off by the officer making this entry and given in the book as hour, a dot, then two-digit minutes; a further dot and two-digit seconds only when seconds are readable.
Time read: 7.54
